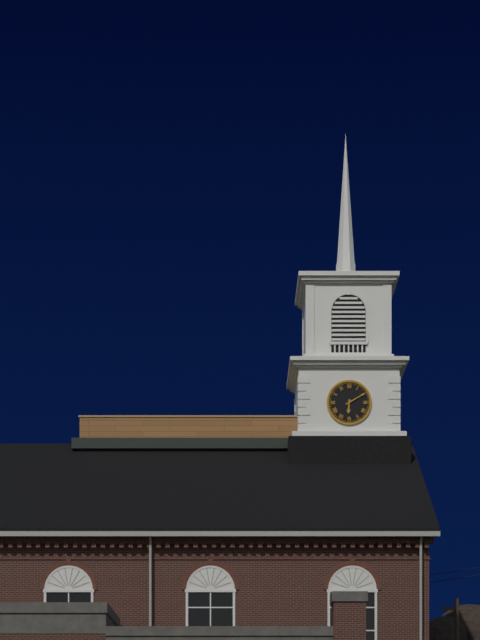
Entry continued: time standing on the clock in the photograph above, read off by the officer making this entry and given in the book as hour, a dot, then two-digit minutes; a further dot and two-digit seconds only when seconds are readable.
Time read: 6.10
